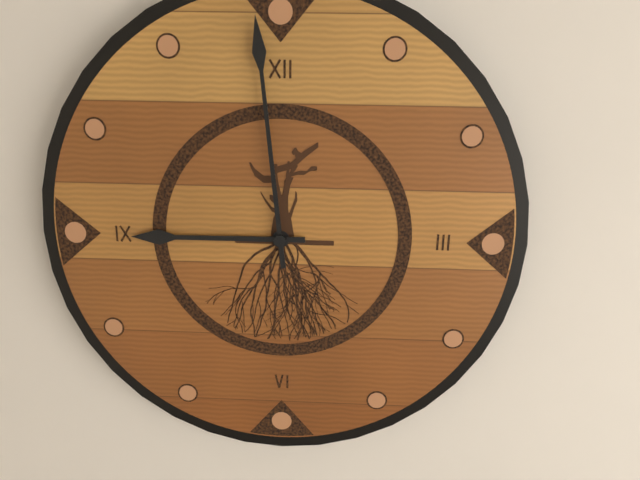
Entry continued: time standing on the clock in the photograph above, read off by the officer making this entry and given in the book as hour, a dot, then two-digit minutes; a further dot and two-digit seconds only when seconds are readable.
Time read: 8.59
